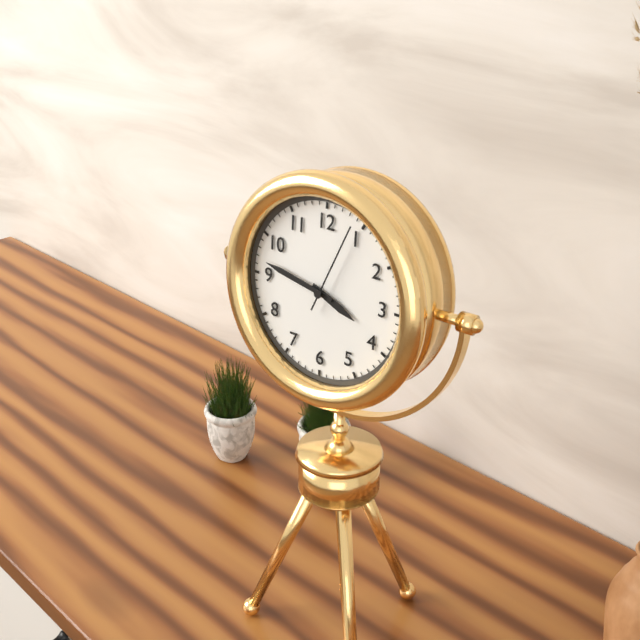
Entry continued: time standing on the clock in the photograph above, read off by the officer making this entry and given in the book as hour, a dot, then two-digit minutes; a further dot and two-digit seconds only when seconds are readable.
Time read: 3.47.04
